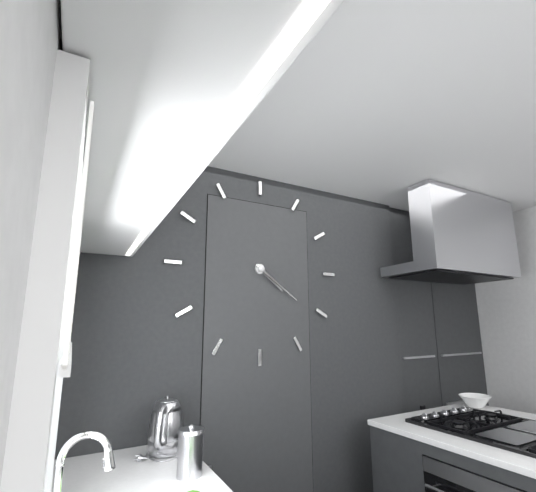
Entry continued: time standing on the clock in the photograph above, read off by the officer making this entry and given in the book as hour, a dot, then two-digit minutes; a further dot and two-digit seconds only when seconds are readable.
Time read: 4.21
